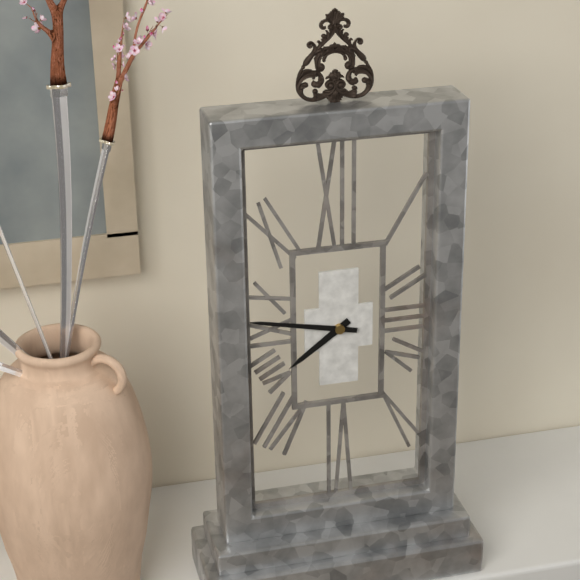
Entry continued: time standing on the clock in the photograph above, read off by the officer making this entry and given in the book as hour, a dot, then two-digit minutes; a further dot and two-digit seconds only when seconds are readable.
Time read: 7.47
